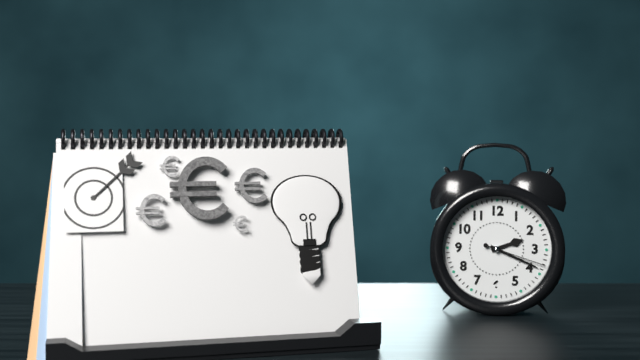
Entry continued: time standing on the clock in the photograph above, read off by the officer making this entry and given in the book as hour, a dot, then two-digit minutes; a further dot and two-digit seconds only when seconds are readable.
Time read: 2.19.18
